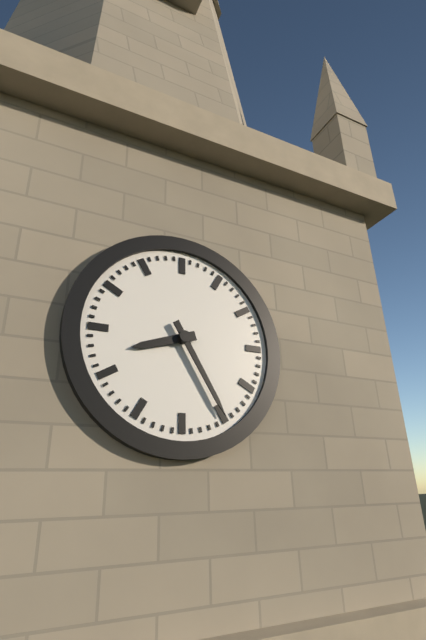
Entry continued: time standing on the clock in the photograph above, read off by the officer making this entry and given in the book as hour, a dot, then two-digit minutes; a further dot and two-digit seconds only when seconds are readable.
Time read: 8.25
